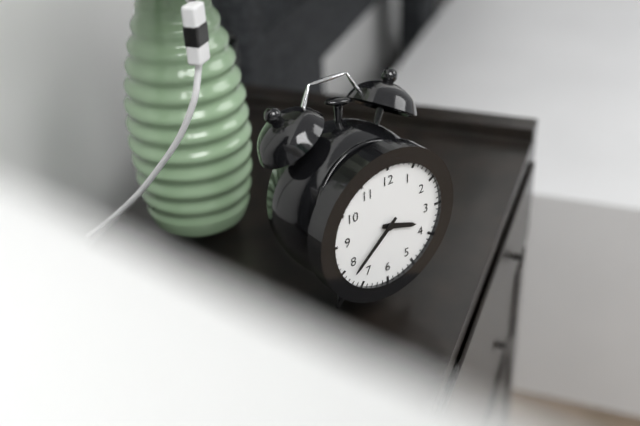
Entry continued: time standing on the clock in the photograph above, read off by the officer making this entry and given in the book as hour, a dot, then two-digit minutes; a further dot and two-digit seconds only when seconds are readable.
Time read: 3.38
